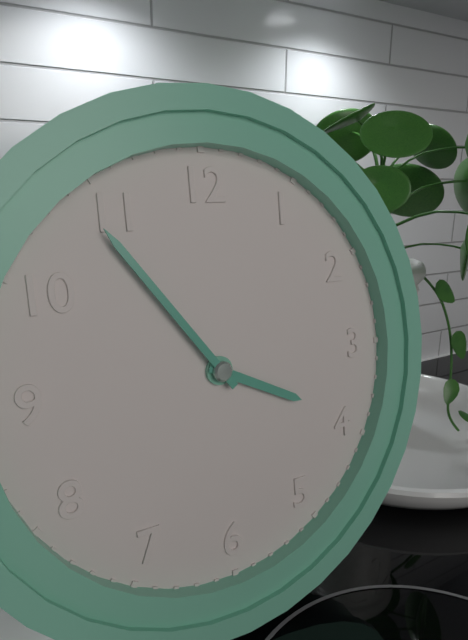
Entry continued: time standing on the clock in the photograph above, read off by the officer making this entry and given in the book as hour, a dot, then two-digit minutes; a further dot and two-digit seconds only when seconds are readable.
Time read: 3.54
